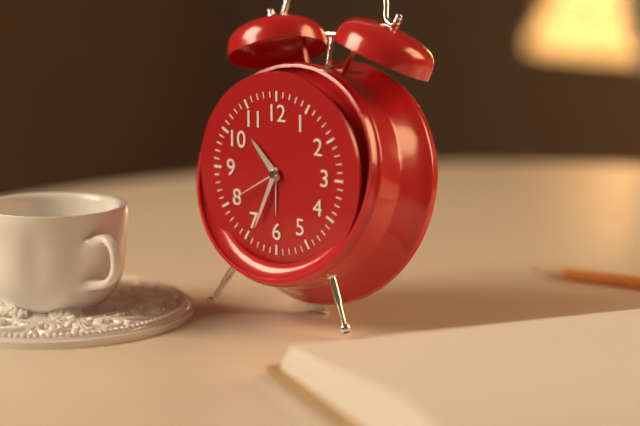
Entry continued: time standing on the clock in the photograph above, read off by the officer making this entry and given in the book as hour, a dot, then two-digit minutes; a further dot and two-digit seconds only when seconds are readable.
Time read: 10.34.40
